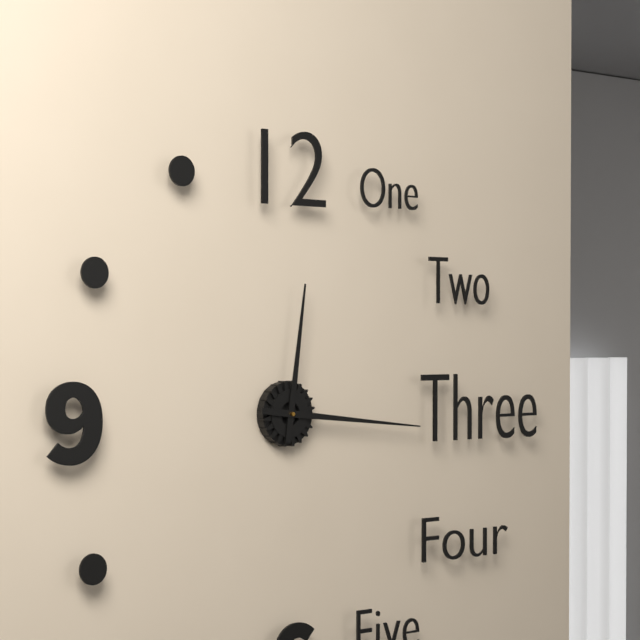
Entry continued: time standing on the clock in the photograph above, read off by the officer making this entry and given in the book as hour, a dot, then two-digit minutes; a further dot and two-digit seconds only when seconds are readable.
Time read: 12.16
